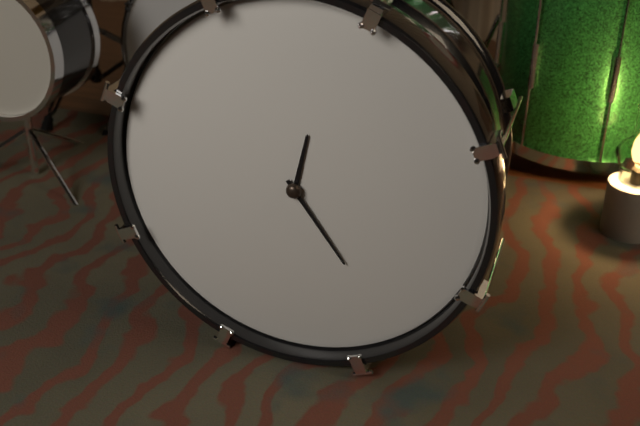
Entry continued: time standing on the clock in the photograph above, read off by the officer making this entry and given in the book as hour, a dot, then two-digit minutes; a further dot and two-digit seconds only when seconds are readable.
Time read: 12.24
